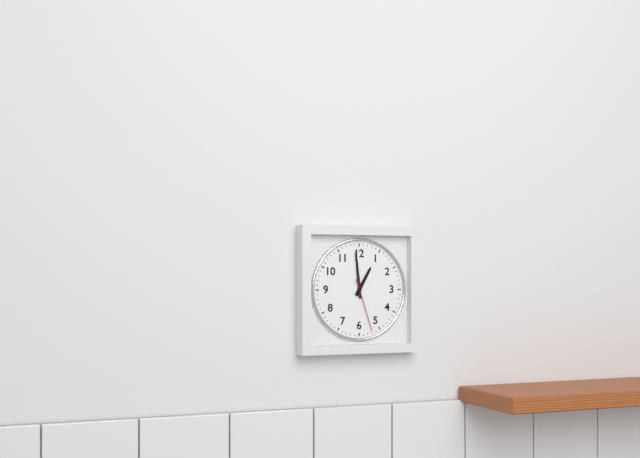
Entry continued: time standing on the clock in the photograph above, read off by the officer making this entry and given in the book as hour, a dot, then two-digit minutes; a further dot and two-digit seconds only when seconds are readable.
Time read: 12.59.27
